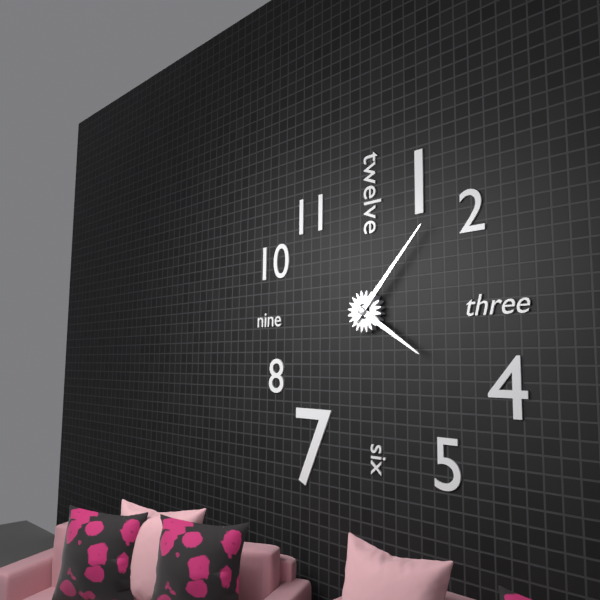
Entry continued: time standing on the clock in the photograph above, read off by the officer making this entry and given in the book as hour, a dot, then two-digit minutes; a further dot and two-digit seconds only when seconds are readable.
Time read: 4.07
